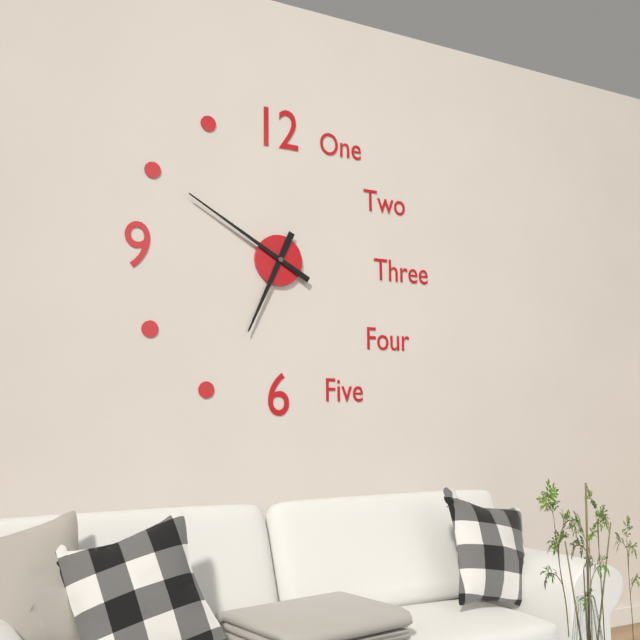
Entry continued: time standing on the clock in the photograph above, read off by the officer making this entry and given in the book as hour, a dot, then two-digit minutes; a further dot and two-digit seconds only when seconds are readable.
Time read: 6.50
